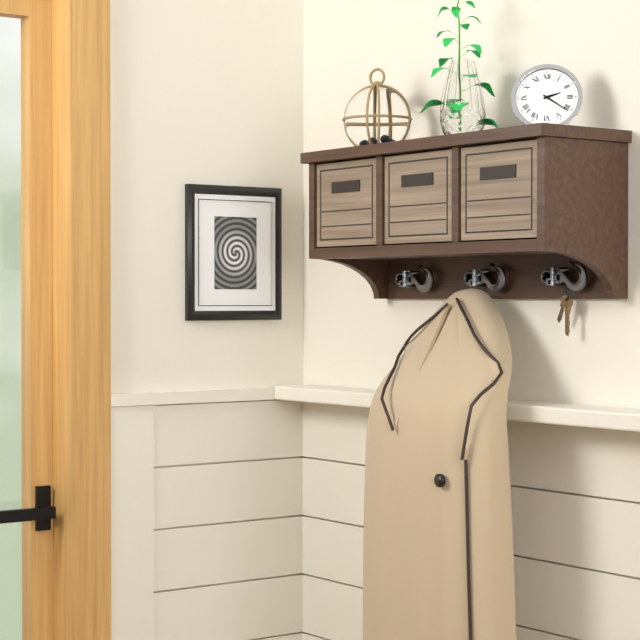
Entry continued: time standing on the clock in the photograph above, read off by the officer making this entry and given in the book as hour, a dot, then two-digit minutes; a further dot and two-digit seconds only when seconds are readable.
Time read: 2.21
